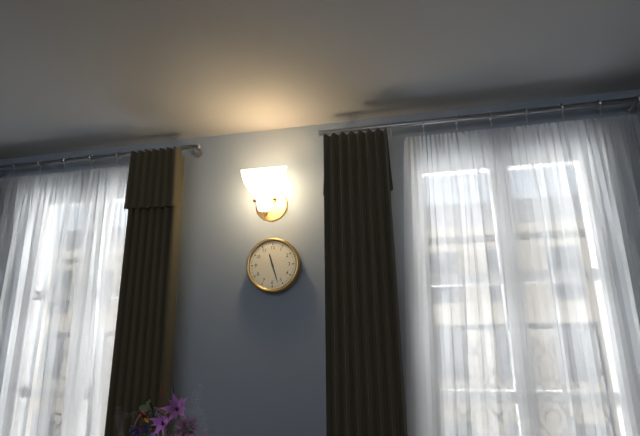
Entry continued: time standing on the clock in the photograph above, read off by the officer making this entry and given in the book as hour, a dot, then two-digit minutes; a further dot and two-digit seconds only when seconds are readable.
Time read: 11.27
